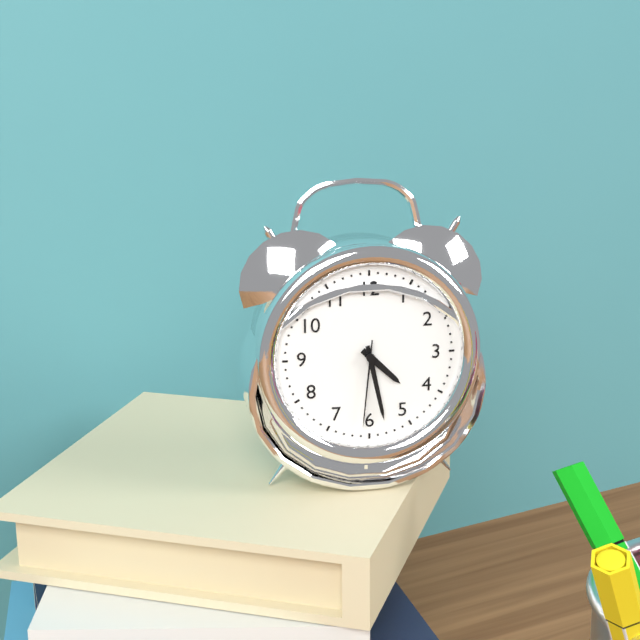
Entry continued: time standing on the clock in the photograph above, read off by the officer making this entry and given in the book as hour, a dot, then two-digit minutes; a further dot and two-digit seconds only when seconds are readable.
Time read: 4.28.31
